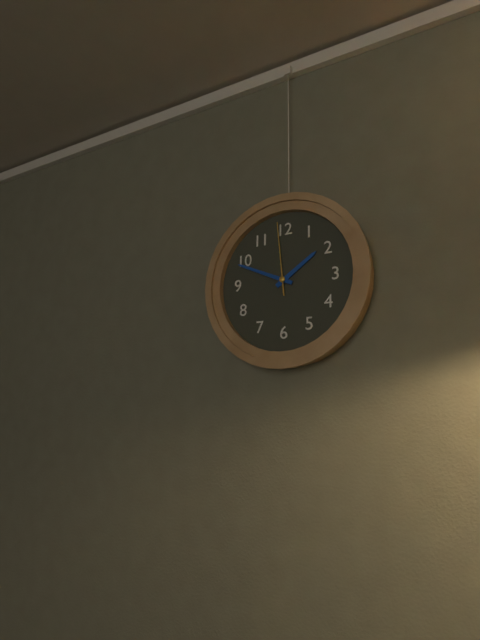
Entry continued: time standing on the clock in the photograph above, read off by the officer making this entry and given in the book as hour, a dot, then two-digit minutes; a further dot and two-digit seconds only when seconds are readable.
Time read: 1.49.59
